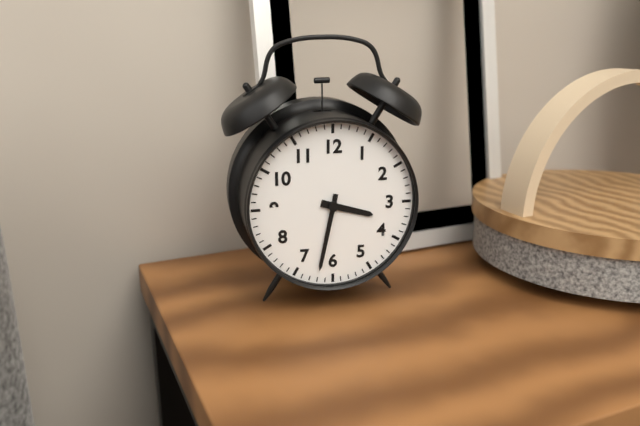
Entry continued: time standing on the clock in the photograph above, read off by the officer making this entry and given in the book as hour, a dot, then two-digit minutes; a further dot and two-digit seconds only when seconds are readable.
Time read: 3.32
